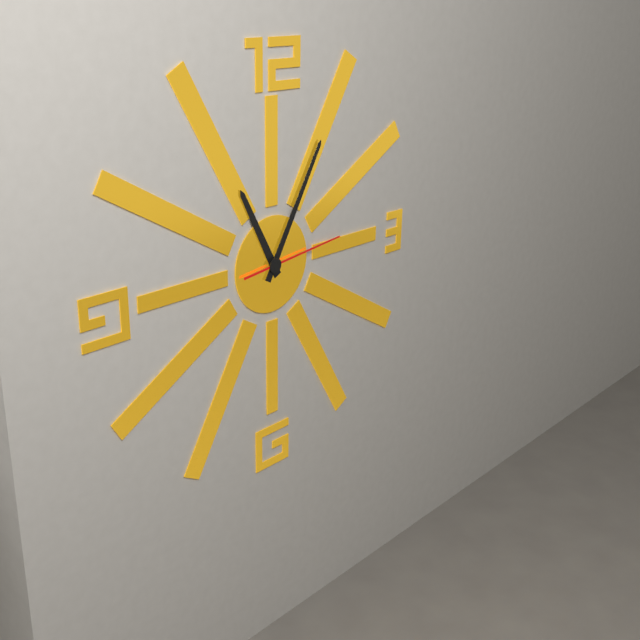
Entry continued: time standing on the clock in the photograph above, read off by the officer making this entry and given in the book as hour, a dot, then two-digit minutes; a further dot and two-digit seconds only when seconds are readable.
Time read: 11.05.14
